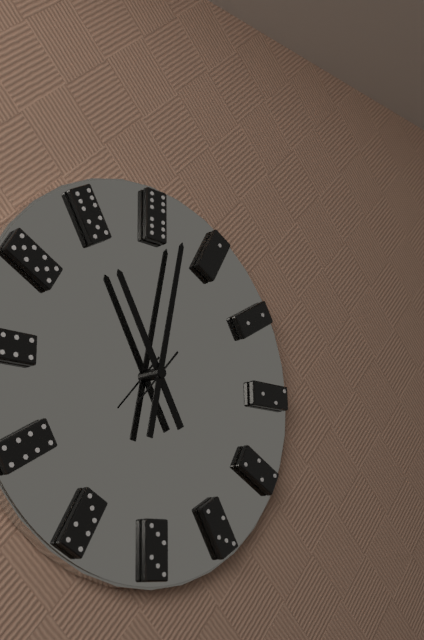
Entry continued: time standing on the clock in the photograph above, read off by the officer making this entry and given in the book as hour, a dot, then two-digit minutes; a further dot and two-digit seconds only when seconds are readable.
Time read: 11.02
